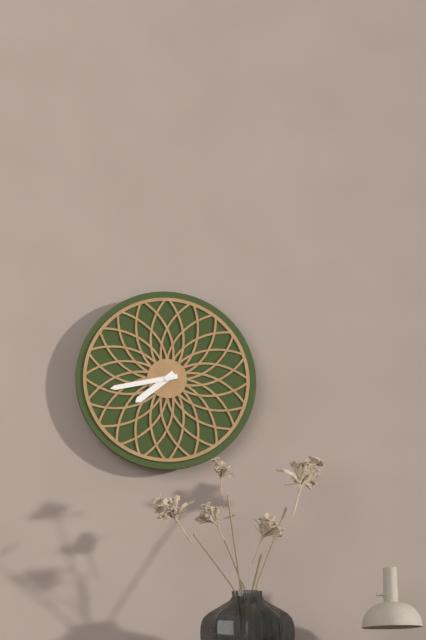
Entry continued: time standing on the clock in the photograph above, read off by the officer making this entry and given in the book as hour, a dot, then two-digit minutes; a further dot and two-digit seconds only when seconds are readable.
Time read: 7.43
